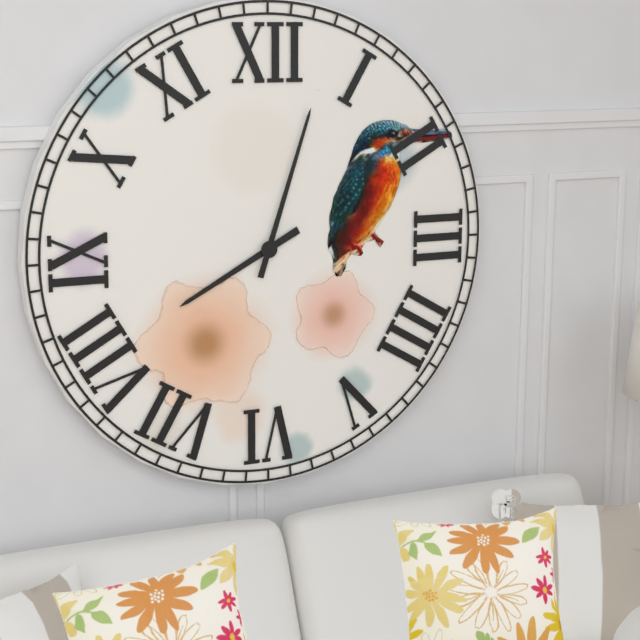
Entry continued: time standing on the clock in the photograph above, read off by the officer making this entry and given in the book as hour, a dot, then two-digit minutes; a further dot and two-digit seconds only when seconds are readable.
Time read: 8.03
